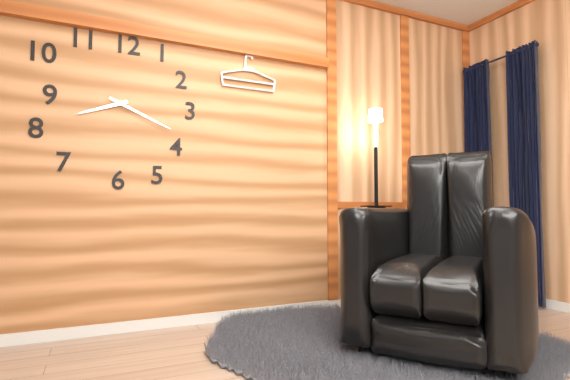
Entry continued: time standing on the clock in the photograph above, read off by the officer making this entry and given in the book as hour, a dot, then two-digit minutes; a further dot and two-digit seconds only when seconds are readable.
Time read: 8.19
